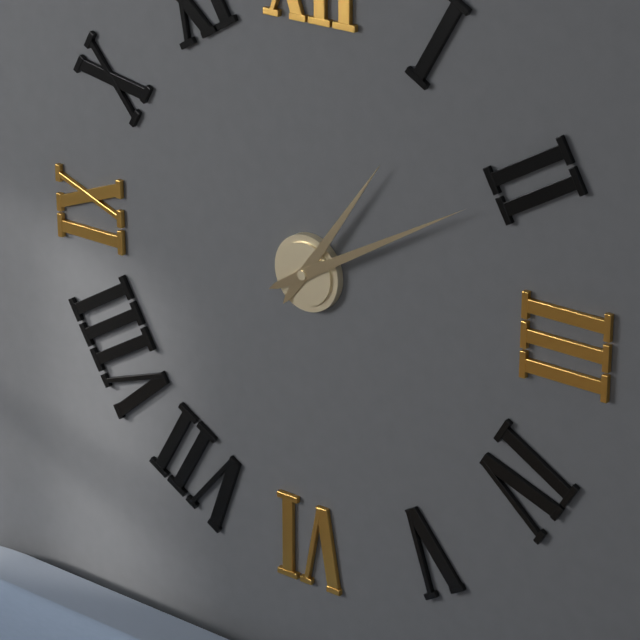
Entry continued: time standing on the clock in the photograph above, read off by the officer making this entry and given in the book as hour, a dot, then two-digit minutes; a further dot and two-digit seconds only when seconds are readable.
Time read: 1.10
